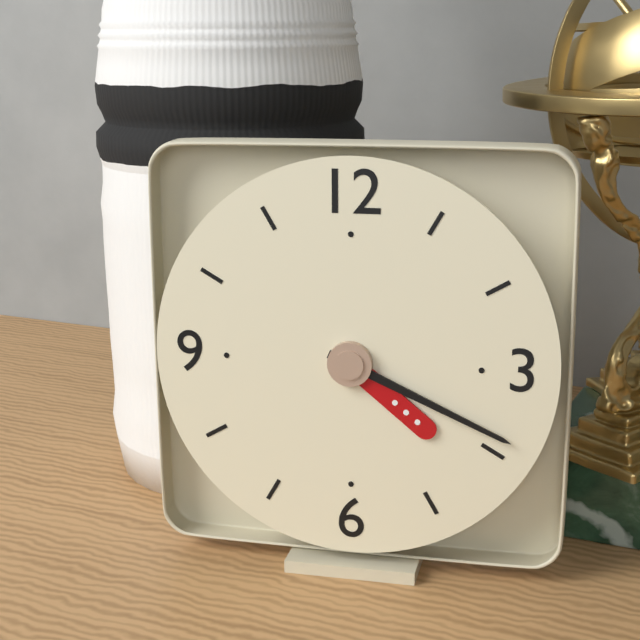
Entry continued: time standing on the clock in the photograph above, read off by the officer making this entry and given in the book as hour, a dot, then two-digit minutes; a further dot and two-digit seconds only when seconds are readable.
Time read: 4.19
